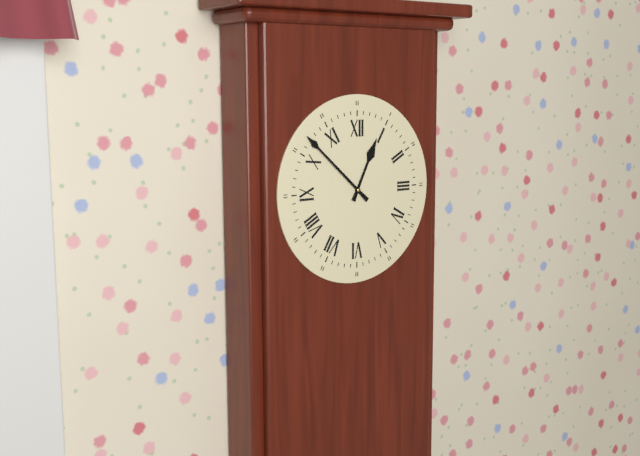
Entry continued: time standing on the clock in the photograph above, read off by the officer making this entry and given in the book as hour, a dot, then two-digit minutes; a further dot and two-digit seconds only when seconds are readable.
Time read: 12.52
